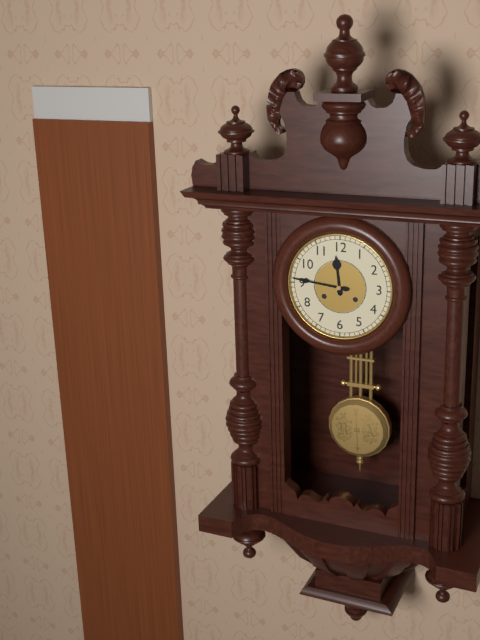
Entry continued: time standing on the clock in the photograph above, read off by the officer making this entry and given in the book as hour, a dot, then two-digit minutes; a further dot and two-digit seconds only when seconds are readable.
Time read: 11.46
